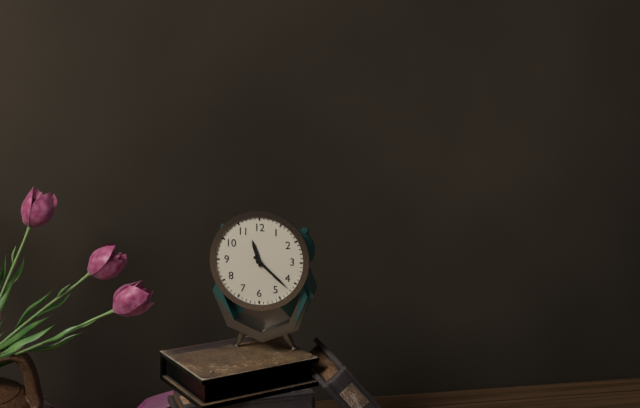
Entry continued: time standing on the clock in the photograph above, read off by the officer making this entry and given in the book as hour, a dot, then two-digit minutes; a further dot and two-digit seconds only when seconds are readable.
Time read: 11.22
